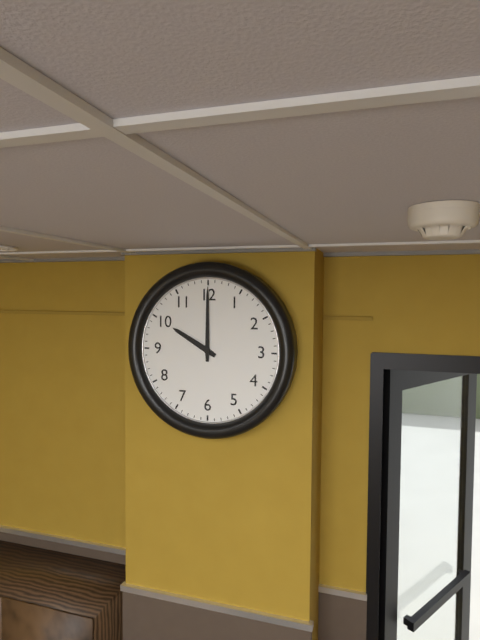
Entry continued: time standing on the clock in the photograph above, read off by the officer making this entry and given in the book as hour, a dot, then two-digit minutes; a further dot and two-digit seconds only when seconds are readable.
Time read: 10.00
